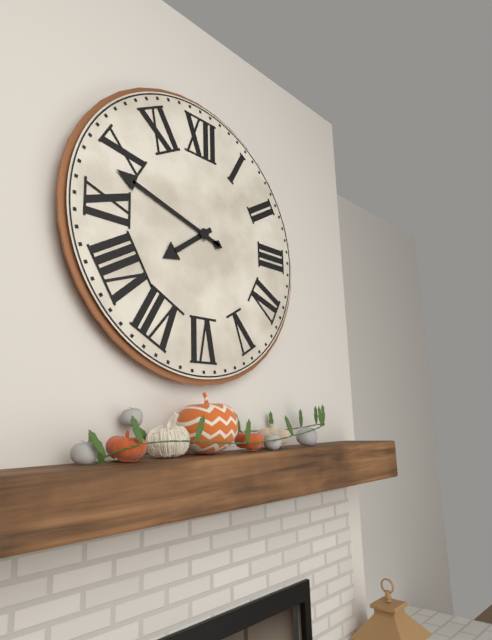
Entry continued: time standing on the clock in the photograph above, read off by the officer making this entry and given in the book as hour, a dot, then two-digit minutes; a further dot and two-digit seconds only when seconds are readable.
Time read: 7.48
